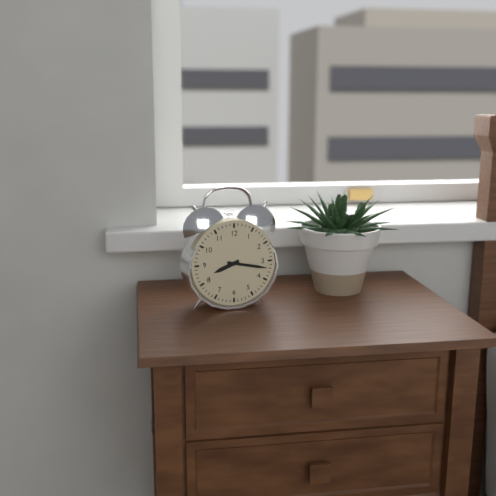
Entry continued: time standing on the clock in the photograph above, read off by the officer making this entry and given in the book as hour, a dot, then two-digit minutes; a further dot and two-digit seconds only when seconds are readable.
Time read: 8.17
